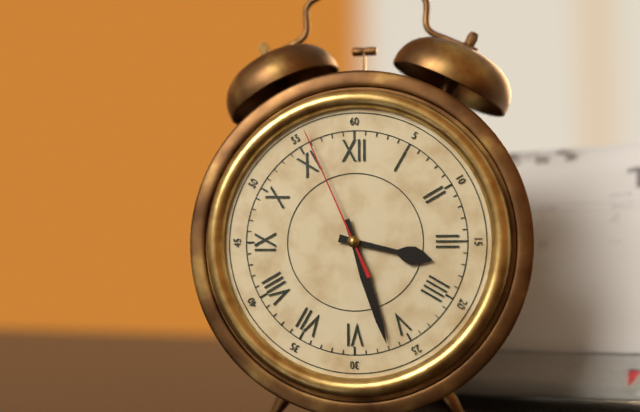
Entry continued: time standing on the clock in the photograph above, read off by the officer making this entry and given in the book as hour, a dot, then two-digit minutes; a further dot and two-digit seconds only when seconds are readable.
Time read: 3.27.56
